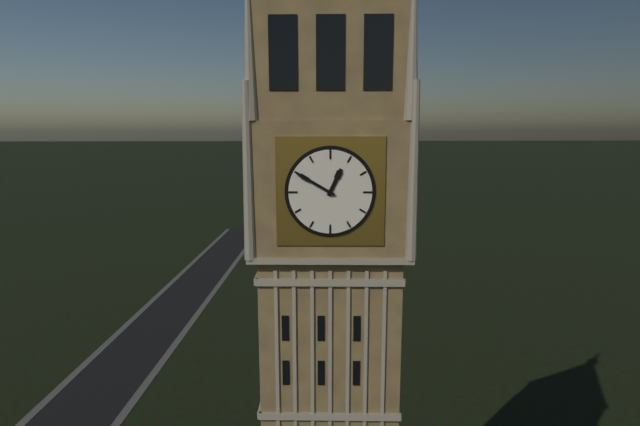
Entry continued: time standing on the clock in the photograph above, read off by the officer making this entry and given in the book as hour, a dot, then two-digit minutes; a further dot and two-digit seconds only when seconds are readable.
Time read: 12.50
